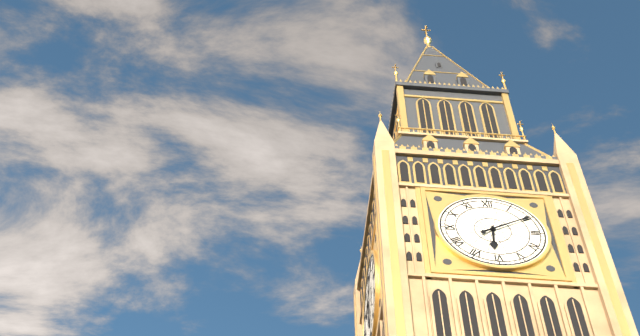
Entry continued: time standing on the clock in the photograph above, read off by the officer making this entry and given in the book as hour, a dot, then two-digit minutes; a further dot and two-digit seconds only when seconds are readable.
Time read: 6.10
